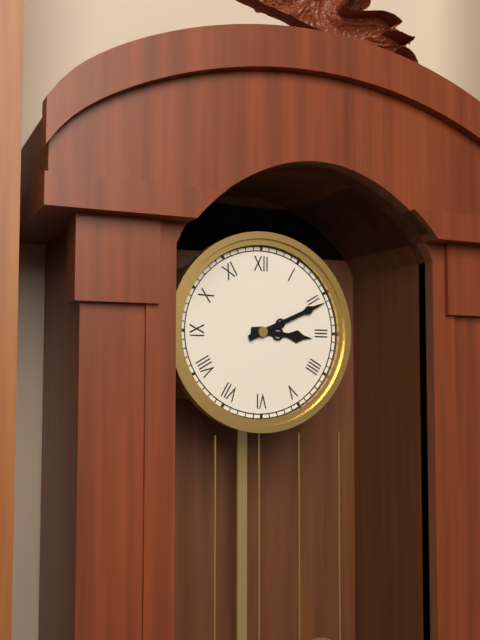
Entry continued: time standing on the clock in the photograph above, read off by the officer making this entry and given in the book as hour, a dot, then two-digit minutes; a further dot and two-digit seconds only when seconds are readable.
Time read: 3.11
